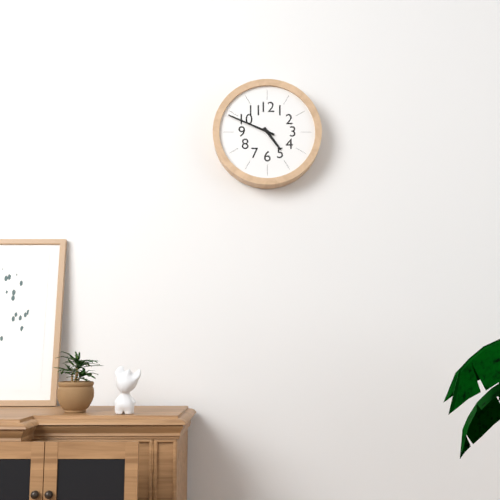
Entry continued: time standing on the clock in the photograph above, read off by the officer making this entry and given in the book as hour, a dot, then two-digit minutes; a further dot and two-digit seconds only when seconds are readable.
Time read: 4.49
